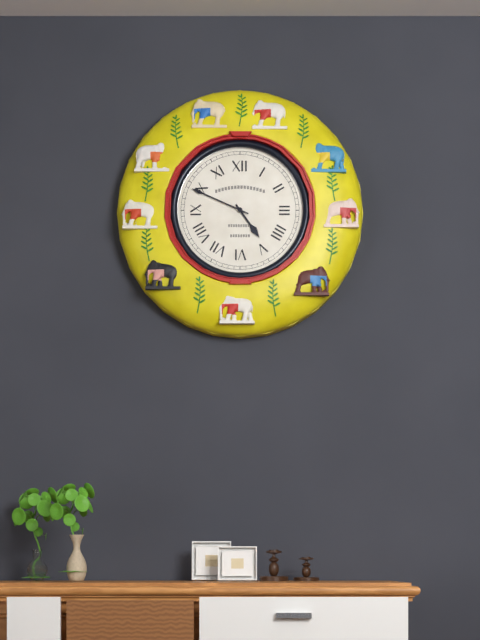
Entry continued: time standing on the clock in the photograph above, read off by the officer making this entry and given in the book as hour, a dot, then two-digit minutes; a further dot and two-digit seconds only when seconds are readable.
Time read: 4.49
